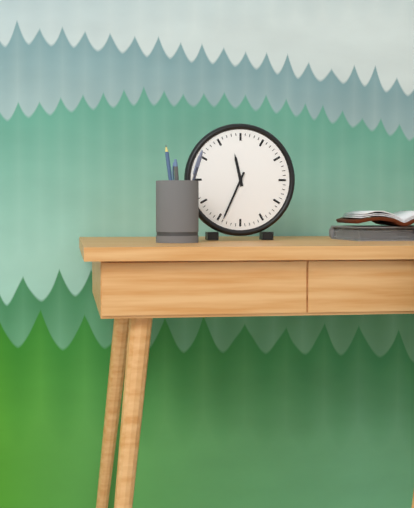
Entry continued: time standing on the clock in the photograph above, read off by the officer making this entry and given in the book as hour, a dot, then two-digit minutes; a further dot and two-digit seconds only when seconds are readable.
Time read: 11.34
